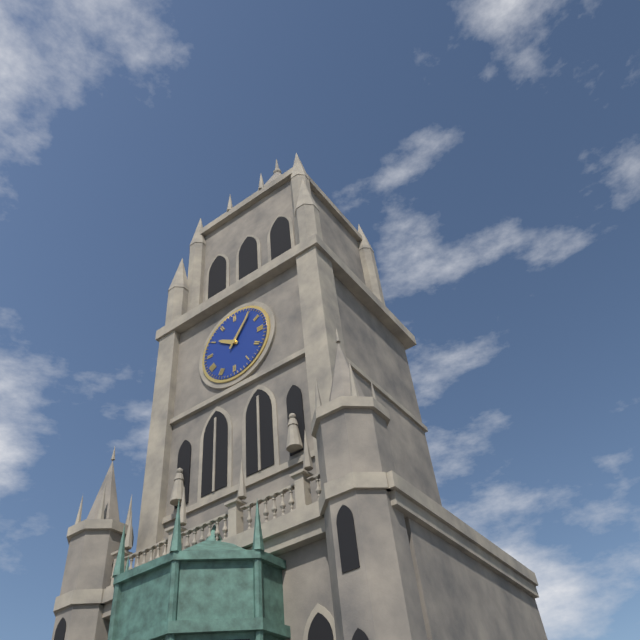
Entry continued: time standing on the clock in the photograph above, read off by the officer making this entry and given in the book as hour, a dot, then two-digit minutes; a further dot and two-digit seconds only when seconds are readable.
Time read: 10.06
